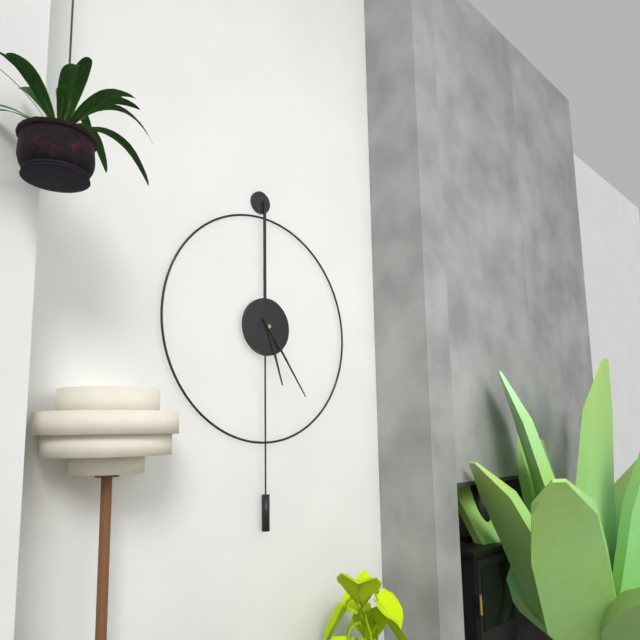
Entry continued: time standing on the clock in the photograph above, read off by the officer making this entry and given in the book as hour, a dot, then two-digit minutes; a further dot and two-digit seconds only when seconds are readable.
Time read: 5.24
